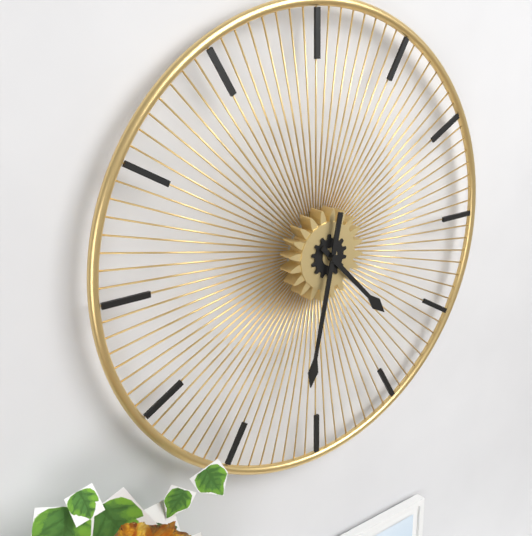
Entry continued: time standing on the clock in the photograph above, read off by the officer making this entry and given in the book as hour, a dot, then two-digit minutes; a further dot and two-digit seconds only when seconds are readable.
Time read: 4.32
